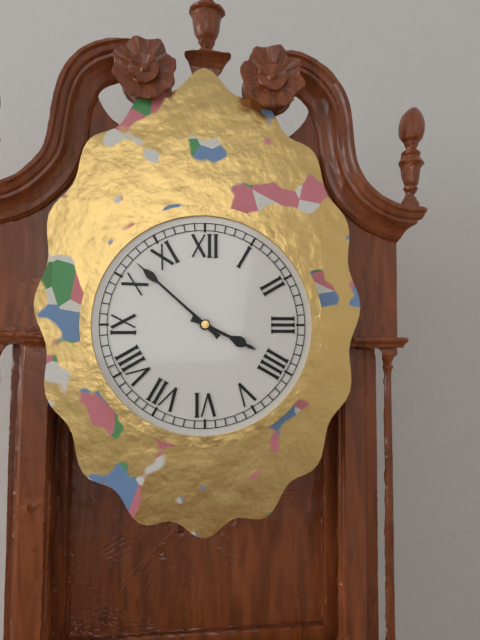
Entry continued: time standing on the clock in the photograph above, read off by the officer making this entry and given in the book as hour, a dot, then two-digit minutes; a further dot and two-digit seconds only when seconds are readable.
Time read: 3.52
